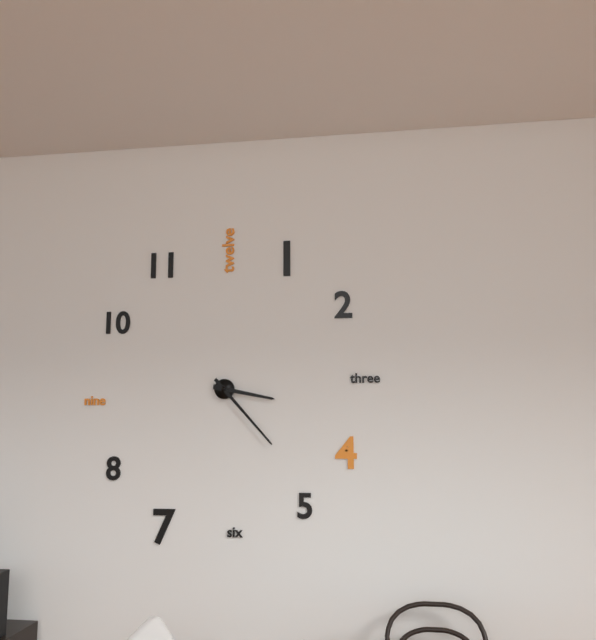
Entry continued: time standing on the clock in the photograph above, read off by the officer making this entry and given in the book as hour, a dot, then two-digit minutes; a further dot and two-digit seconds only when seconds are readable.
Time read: 3.23
